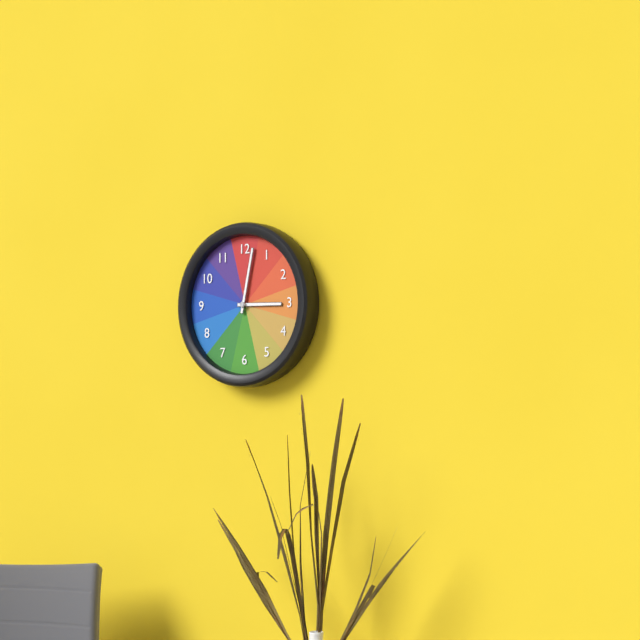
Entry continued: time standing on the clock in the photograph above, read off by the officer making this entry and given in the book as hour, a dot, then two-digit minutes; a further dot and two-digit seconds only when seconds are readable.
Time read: 3.02
